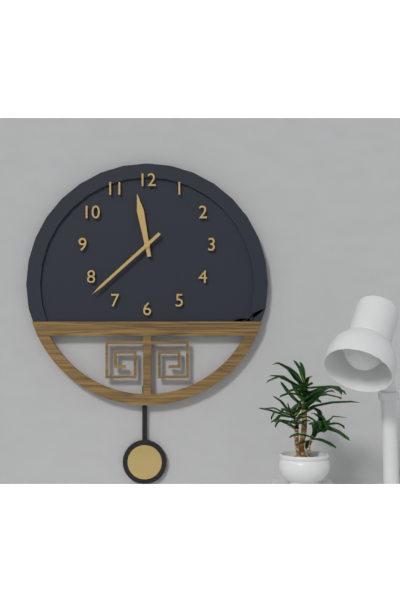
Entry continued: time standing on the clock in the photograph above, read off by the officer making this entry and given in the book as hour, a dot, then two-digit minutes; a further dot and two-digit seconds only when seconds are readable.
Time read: 11.38
